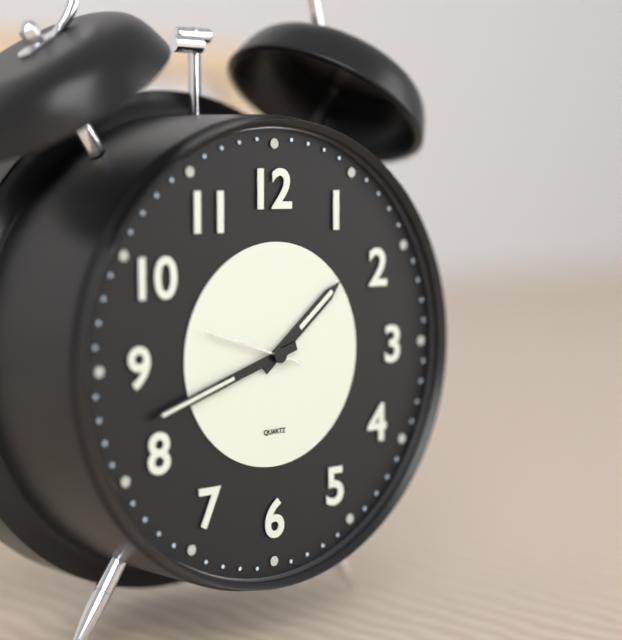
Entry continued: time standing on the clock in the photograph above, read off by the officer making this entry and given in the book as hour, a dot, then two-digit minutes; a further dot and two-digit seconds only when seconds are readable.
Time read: 1.42.48
